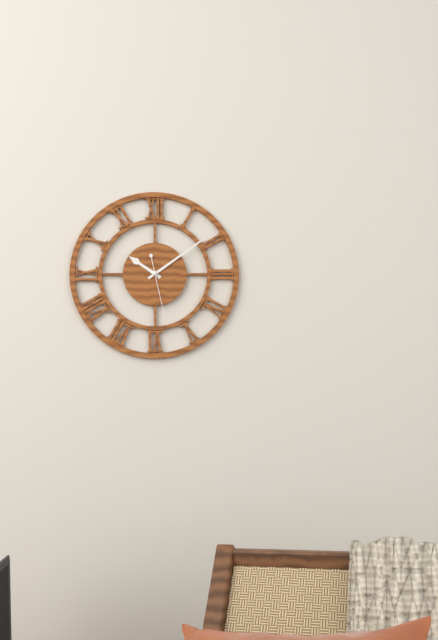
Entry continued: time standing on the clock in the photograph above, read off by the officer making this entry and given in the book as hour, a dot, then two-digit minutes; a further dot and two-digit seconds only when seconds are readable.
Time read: 10.09
